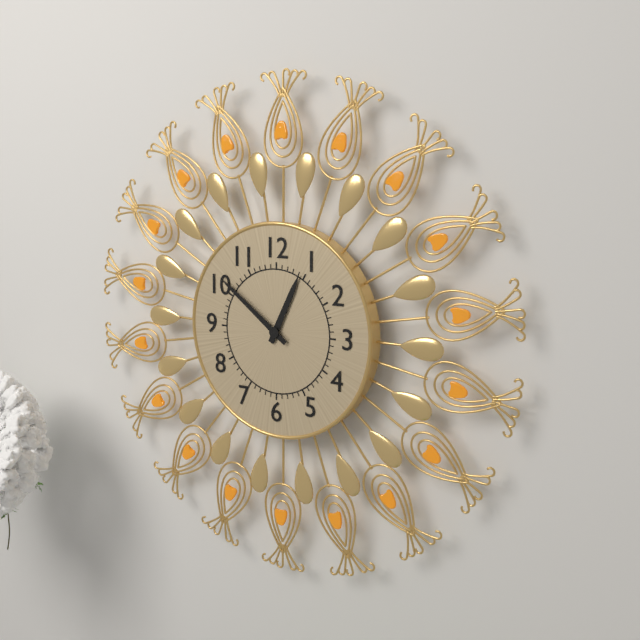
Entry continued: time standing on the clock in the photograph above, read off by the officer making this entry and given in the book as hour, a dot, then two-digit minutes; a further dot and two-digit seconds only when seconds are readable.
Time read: 12.51
